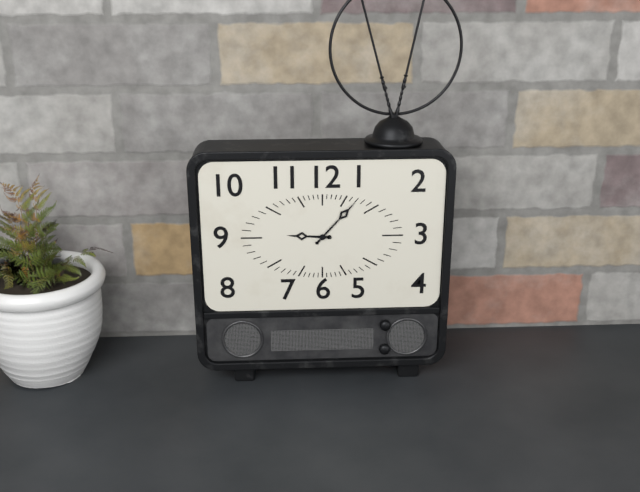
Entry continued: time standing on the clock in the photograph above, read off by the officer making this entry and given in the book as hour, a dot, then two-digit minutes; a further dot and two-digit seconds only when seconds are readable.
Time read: 9.07
